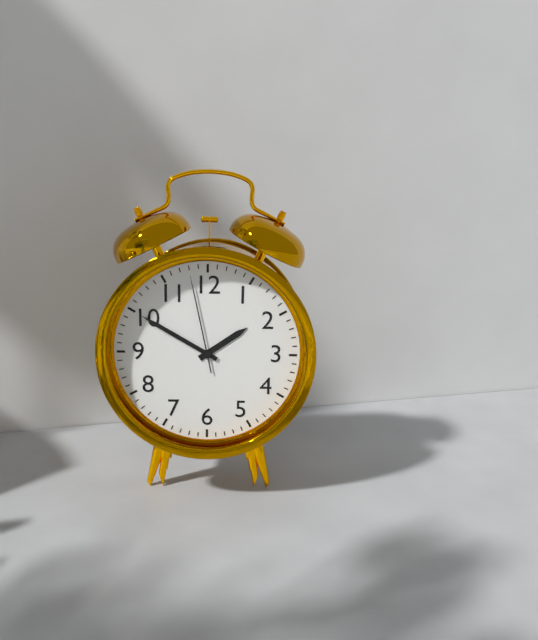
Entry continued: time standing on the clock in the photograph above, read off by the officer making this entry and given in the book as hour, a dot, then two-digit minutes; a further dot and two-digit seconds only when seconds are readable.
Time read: 1.50.58
